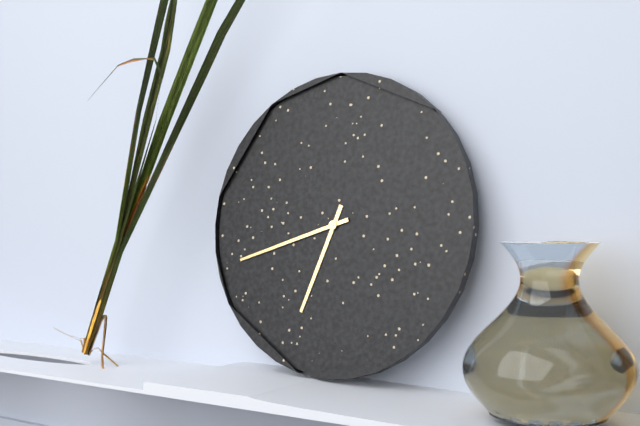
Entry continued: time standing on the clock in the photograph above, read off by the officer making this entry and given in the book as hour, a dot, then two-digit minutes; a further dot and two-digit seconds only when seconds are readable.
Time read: 6.42
